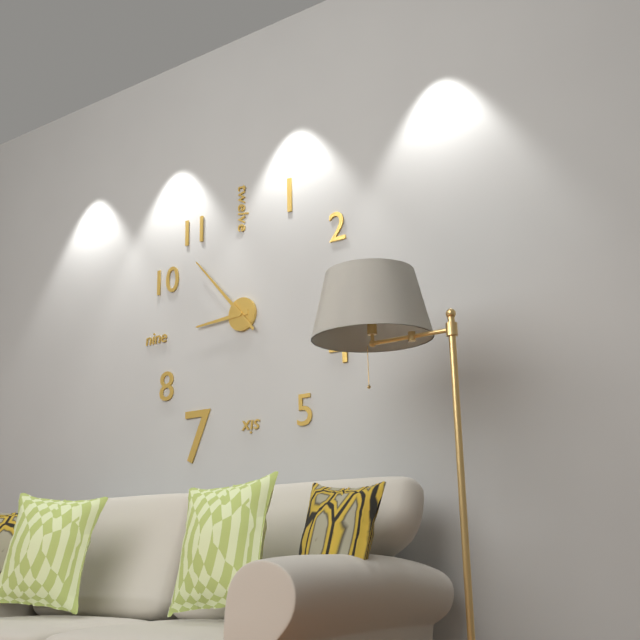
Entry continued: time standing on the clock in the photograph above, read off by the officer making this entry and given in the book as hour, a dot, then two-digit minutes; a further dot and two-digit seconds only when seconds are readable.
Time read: 8.53
